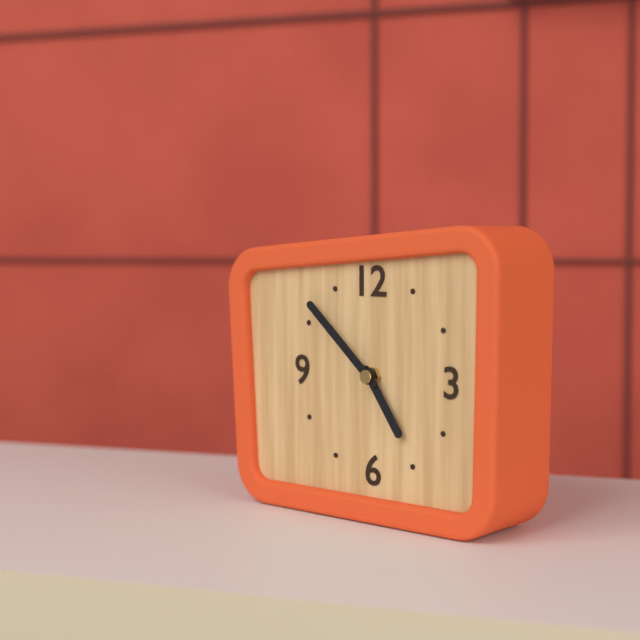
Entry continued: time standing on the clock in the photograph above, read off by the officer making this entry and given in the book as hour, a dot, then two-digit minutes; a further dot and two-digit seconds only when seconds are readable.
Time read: 4.52
